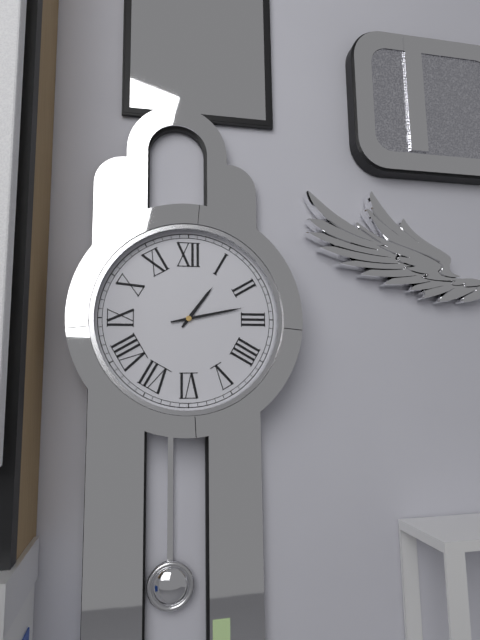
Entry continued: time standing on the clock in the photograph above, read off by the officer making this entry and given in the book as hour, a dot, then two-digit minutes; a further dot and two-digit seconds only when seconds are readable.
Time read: 1.13
